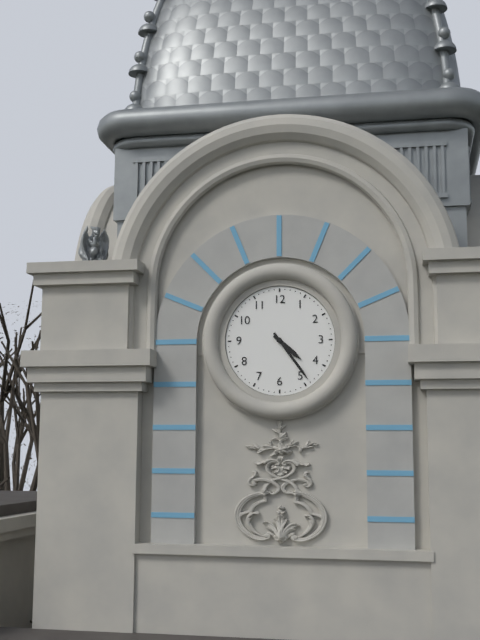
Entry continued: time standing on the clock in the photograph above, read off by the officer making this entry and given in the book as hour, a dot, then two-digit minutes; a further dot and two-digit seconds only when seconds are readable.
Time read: 4.24
